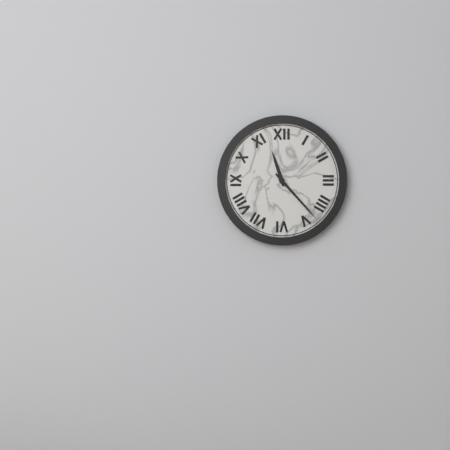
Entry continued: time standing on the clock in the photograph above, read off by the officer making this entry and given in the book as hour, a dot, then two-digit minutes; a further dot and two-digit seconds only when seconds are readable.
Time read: 11.23
